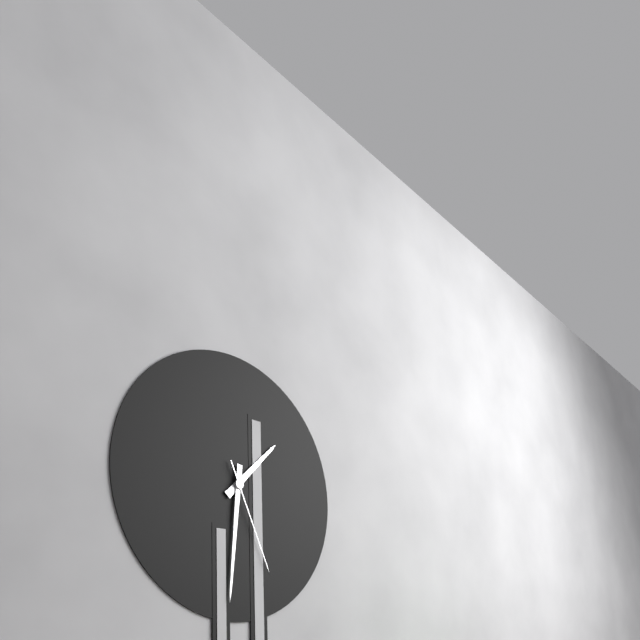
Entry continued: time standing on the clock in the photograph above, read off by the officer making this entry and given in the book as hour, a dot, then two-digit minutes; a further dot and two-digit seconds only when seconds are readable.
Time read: 1.31.26
